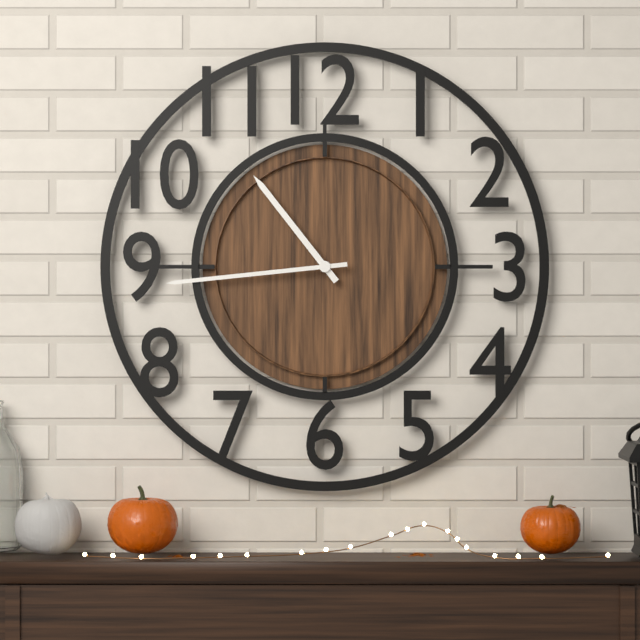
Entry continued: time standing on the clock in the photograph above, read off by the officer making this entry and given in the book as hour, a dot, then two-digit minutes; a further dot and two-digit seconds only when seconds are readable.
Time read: 10.44
